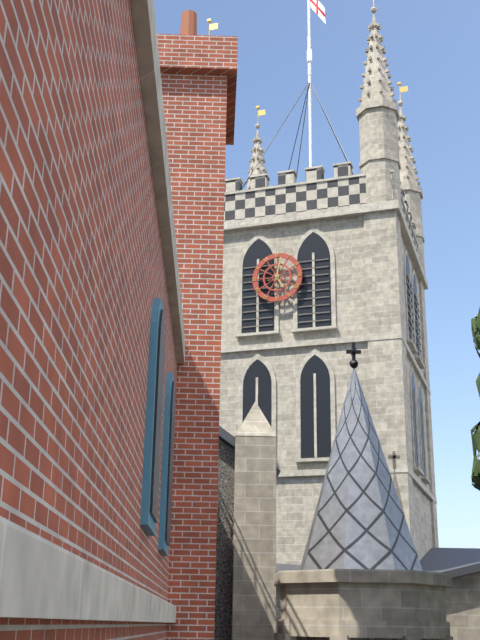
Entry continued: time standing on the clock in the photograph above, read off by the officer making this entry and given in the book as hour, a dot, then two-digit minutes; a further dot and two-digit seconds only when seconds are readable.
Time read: 5.02
